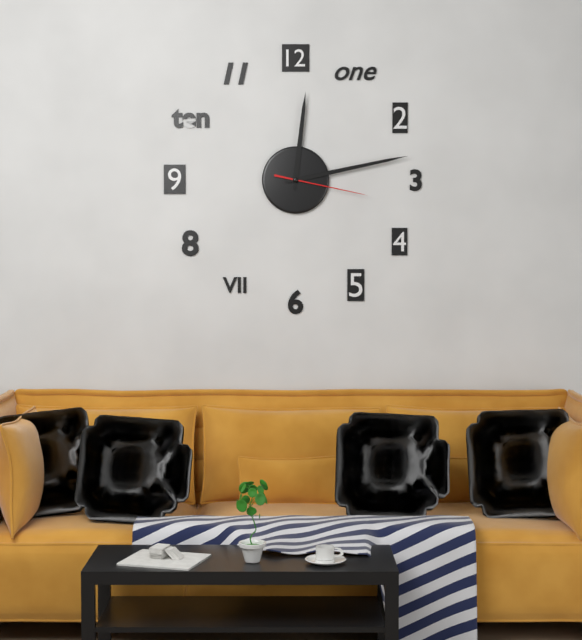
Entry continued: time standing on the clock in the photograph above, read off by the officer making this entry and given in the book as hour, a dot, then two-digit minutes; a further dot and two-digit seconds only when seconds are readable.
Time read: 12.13.17
